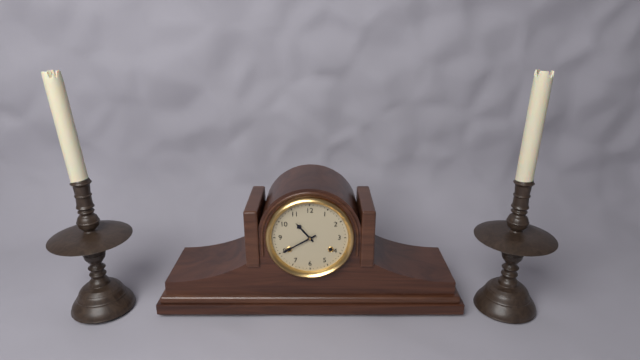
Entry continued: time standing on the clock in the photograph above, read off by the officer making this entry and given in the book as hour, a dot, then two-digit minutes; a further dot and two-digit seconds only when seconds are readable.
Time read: 10.40
